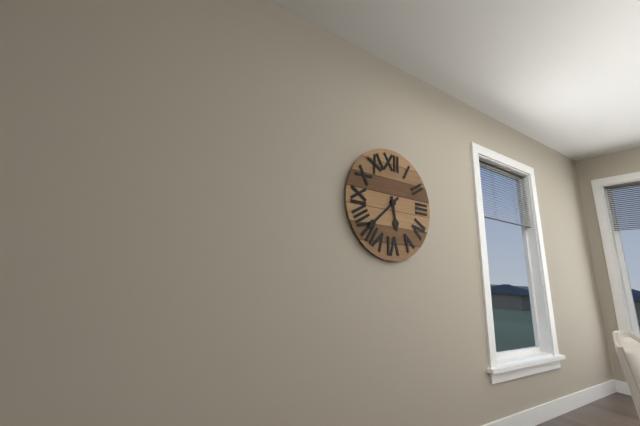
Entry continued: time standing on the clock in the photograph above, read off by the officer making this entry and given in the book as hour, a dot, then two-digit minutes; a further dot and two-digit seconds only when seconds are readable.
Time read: 5.38
